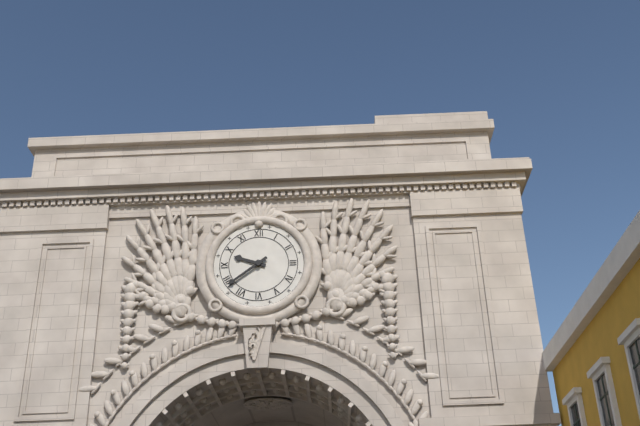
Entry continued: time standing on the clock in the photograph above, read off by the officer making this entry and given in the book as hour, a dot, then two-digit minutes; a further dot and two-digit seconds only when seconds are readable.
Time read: 9.39
